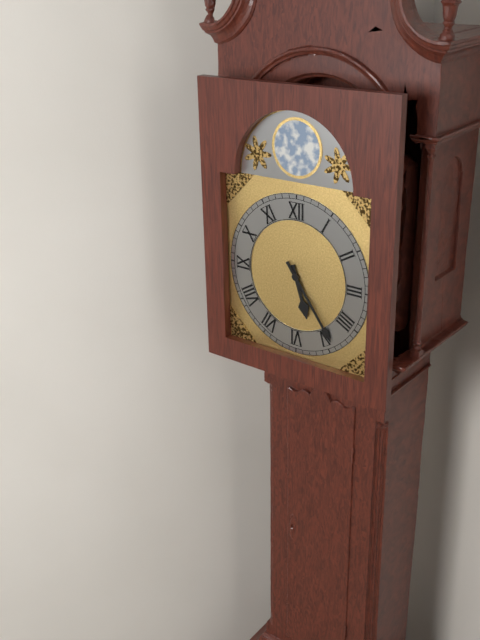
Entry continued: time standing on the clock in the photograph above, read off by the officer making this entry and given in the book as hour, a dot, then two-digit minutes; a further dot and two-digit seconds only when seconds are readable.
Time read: 5.24
